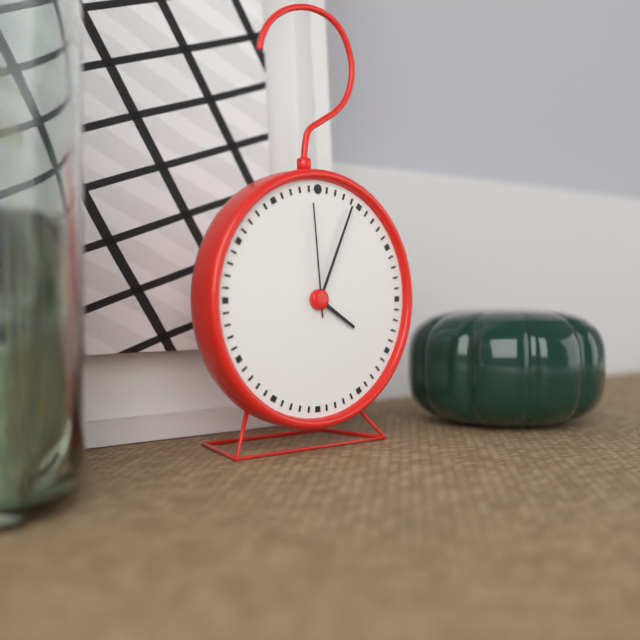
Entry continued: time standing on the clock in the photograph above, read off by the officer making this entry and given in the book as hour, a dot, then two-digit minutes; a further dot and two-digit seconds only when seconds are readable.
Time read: 4.04.59
